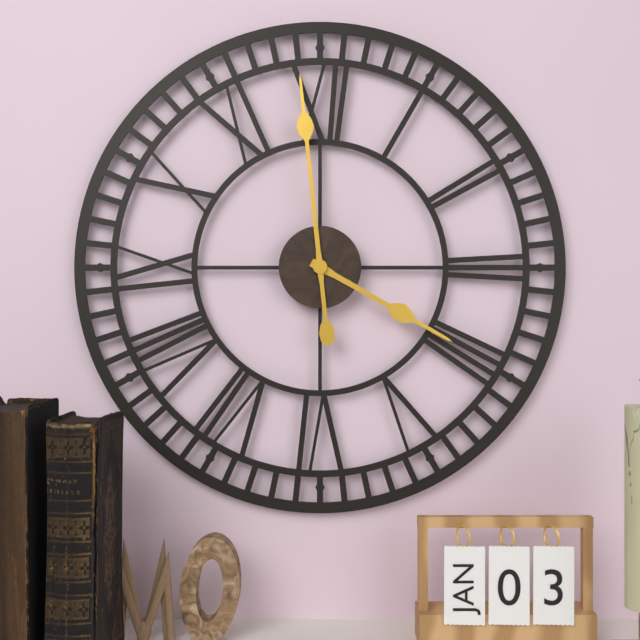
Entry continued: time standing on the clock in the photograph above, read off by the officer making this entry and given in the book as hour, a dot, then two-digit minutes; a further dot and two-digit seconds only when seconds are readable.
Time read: 3.59
